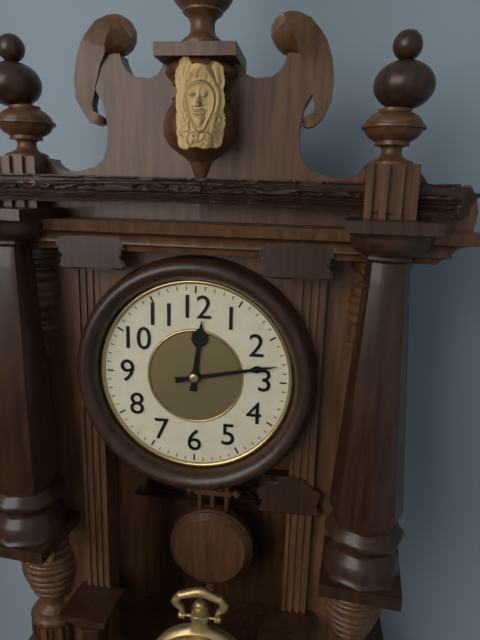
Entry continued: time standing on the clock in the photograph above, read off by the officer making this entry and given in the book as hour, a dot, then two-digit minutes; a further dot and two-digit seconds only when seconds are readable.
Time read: 12.13
